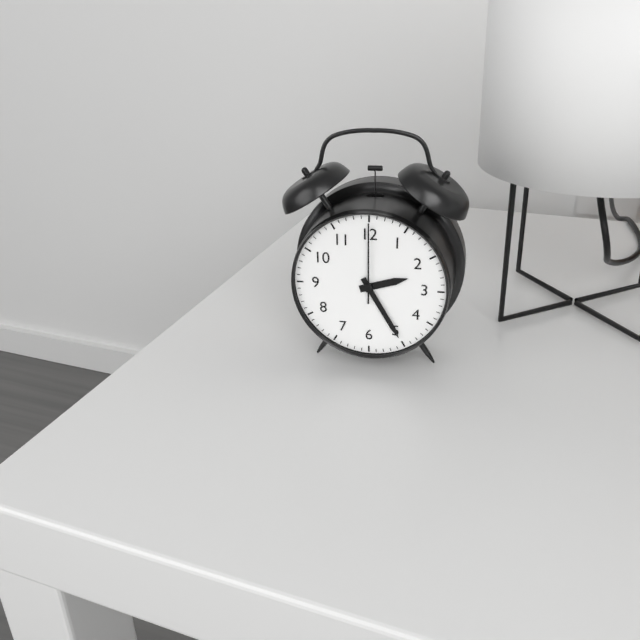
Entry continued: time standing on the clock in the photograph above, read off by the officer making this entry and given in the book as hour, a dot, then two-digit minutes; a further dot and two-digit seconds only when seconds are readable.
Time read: 2.25.00
